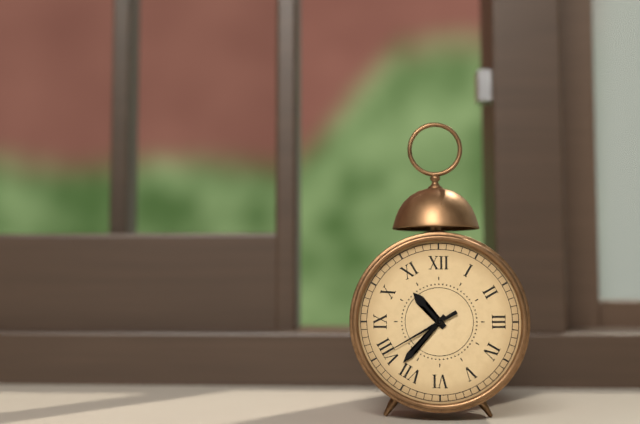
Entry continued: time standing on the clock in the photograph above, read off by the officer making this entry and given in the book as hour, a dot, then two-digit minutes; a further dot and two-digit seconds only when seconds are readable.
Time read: 10.37.40
